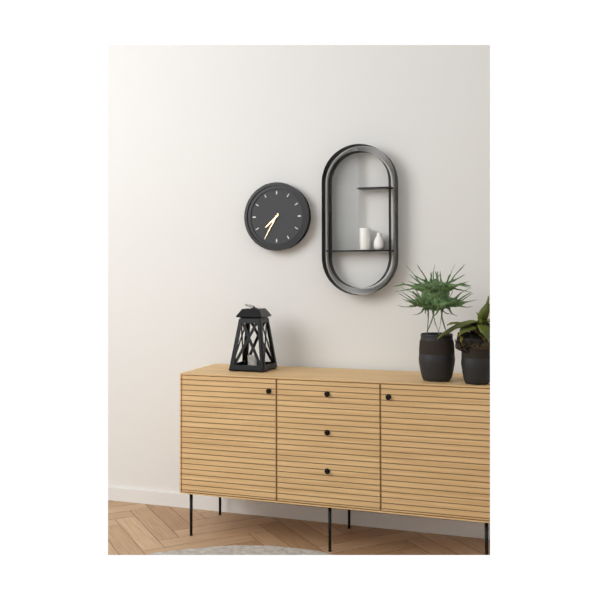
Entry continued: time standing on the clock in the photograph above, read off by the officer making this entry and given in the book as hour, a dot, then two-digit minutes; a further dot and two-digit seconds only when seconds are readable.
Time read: 7.35
